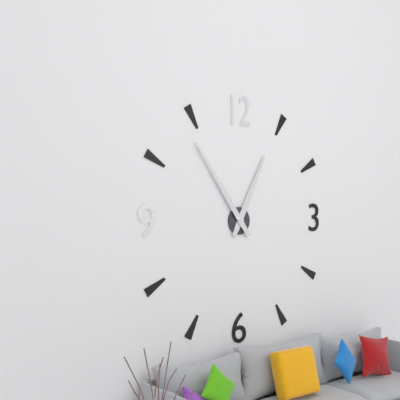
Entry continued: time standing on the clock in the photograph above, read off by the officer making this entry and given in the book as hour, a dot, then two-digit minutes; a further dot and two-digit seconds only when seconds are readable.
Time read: 12.54
